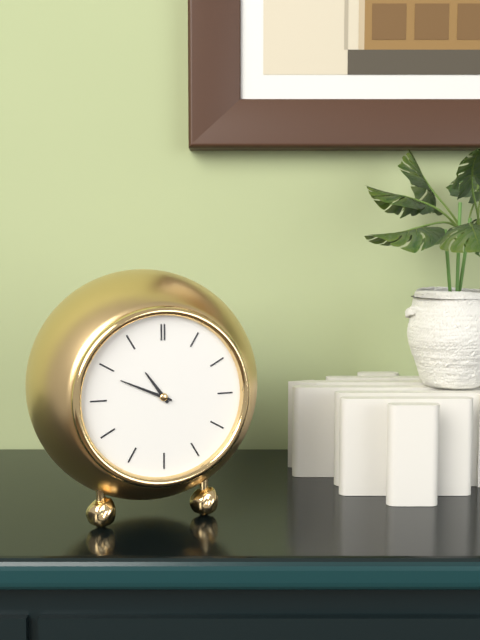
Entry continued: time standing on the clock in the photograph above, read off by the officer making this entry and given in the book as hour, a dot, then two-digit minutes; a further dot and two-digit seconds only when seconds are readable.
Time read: 10.49
